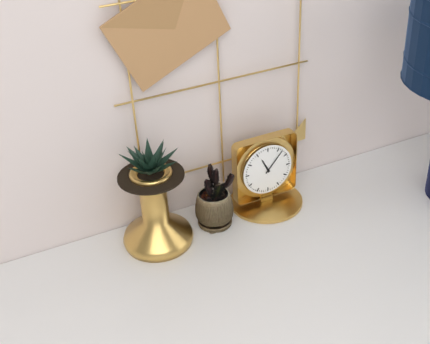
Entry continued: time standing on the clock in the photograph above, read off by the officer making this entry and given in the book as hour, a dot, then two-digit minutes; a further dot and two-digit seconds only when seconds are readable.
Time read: 11.07
